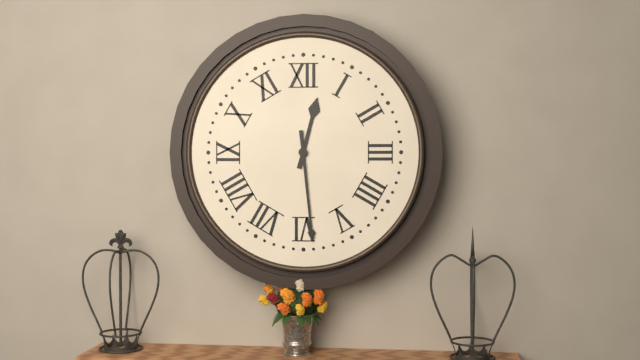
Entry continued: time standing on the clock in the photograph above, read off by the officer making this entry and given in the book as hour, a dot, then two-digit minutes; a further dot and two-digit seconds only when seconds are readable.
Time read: 12.29
